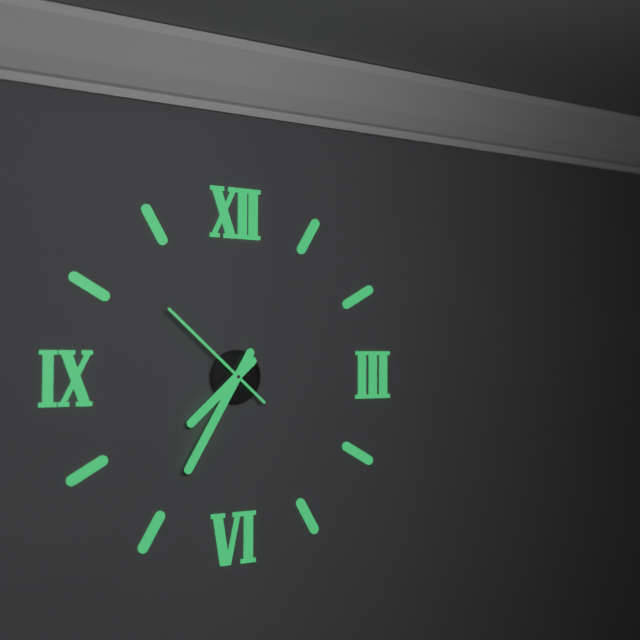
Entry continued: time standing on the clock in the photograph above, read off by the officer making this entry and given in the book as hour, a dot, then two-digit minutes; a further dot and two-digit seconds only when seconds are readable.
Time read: 7.35.52
